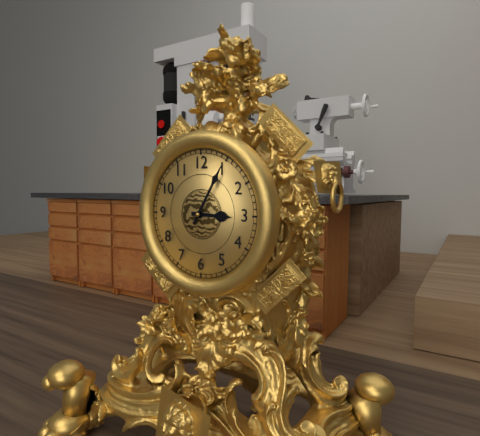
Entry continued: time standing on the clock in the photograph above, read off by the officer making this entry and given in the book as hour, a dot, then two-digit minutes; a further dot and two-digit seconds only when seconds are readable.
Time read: 3.05
